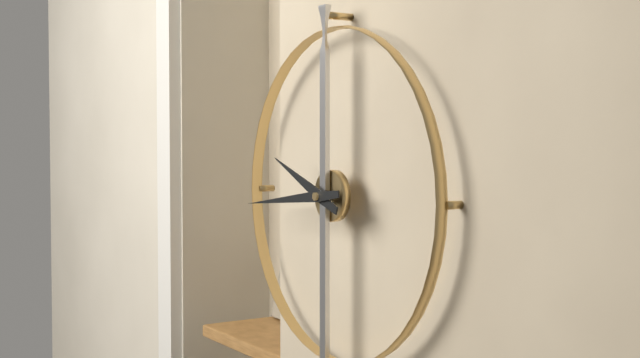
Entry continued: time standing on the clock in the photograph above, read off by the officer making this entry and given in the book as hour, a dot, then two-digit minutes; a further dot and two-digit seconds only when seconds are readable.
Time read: 9.44
